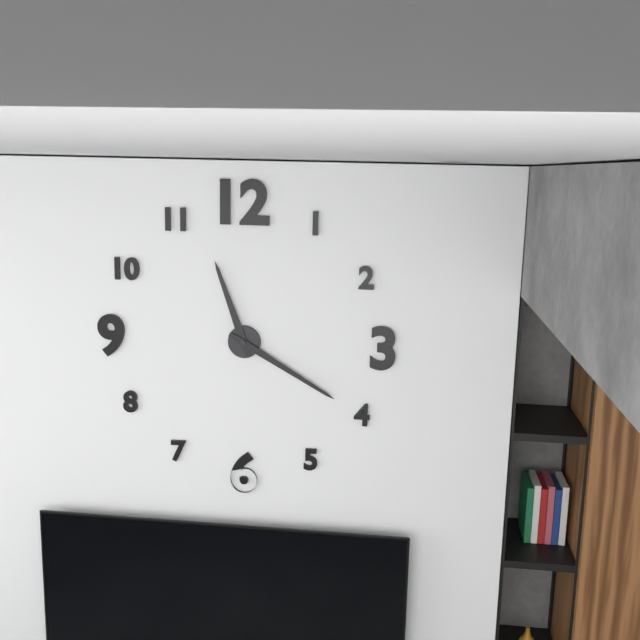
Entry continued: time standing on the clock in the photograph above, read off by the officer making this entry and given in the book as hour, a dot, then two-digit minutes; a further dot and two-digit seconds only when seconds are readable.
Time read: 11.20
